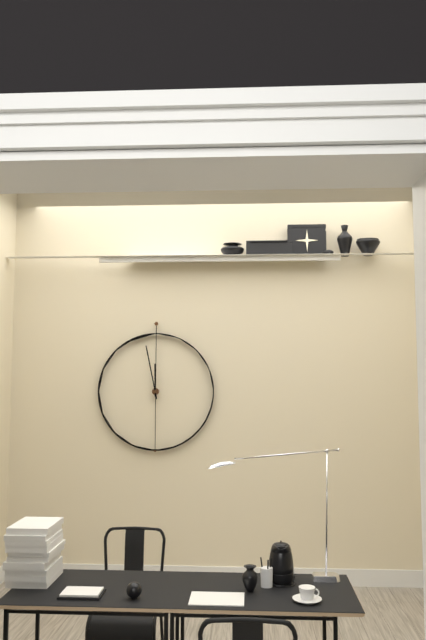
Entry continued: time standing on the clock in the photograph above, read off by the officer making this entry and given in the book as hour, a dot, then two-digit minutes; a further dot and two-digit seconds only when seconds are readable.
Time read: 11.58
